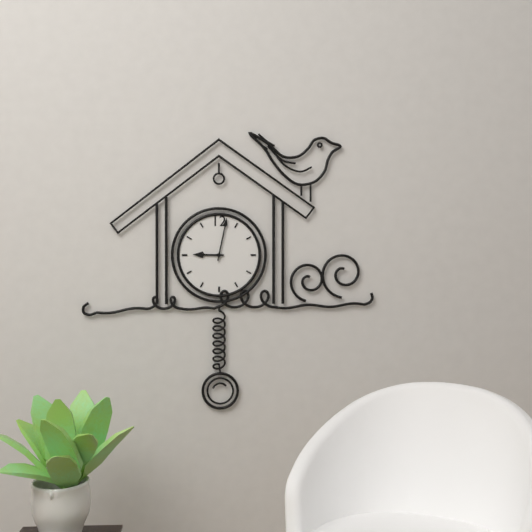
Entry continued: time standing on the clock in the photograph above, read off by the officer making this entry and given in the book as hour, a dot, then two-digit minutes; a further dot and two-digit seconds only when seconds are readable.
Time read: 9.02
